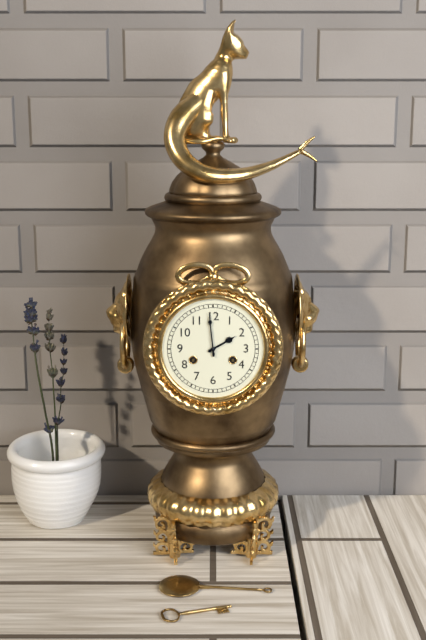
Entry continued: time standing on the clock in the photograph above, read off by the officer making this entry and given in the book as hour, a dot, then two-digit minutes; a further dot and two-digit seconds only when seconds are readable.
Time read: 1.59
